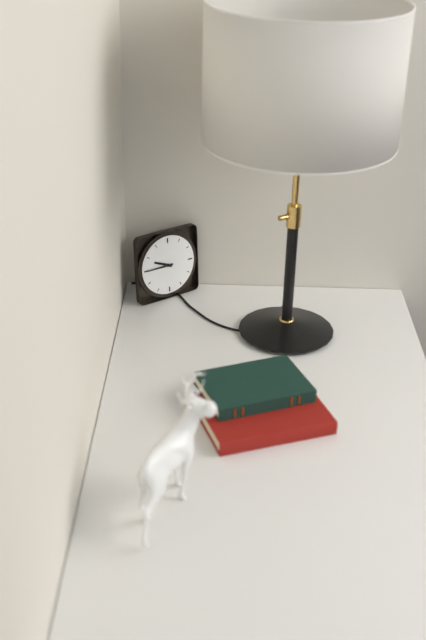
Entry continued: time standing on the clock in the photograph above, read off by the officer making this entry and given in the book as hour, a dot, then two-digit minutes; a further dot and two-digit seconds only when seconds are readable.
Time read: 9.45
